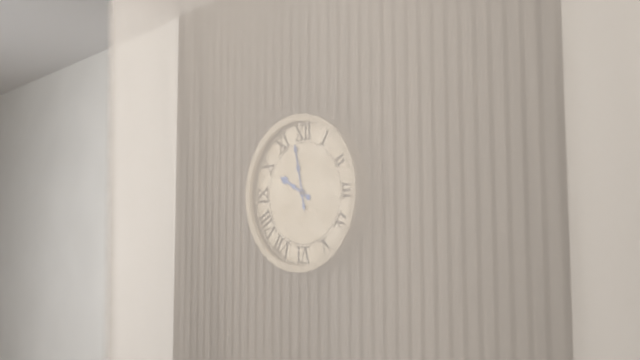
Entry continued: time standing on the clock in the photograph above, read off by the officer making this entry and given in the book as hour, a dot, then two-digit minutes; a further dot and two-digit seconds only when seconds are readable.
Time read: 9.58
